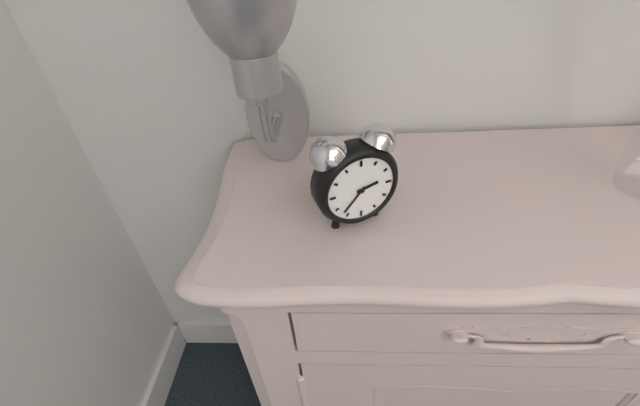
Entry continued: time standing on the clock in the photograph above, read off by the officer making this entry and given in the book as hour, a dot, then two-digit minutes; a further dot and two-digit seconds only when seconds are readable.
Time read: 2.37
